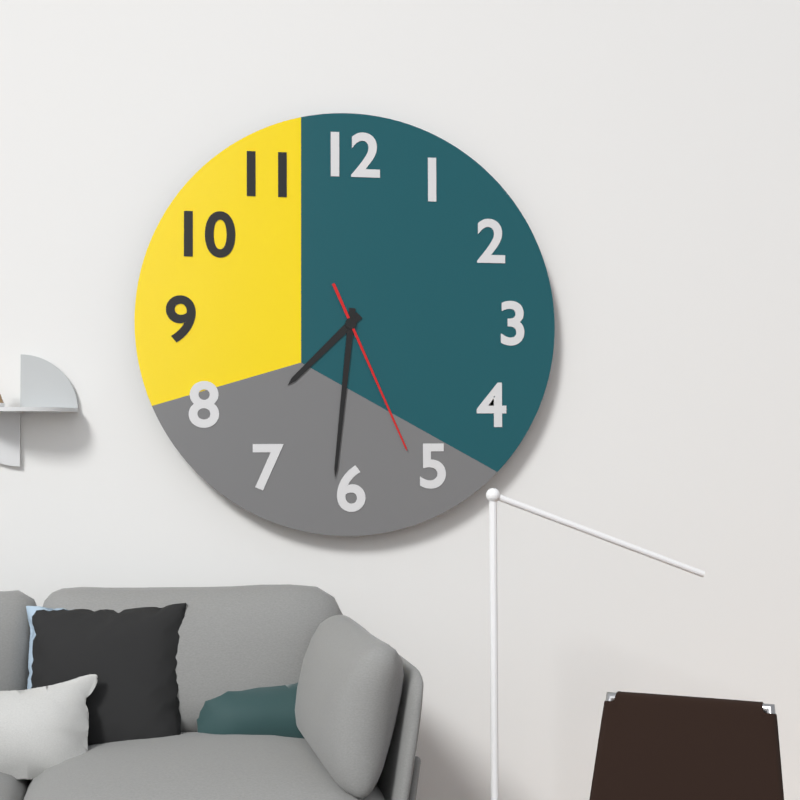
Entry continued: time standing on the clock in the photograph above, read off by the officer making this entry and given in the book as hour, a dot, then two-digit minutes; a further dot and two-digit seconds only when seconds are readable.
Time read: 7.31.26
